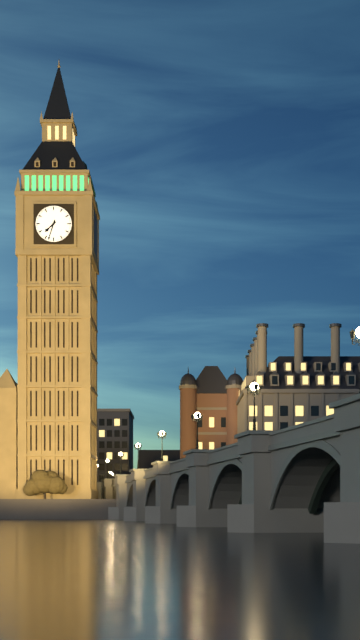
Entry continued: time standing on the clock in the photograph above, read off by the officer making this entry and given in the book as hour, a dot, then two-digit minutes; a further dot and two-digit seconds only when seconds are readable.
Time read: 7.33
